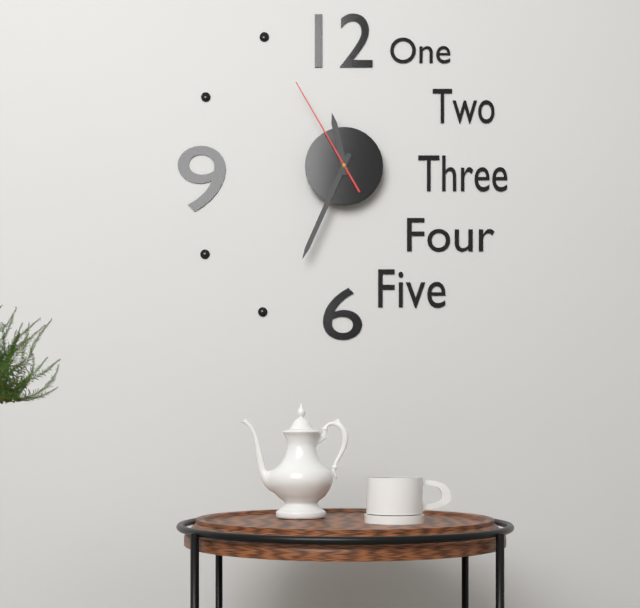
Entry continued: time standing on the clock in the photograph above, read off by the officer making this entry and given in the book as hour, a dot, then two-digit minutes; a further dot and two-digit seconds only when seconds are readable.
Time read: 11.34.55
